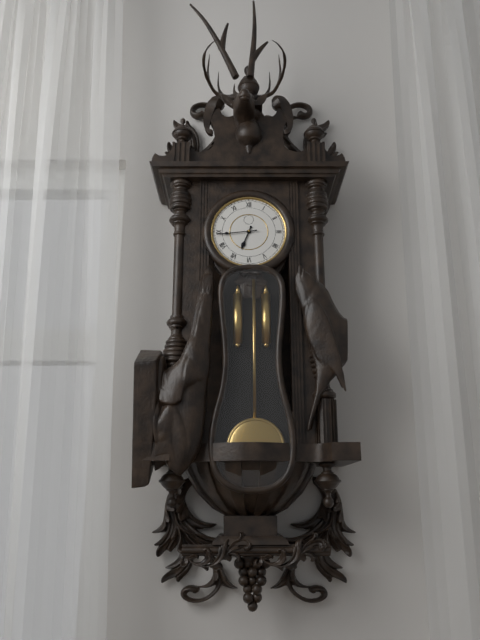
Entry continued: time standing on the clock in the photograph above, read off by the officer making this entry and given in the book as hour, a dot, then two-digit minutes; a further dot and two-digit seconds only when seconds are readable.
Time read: 6.44
